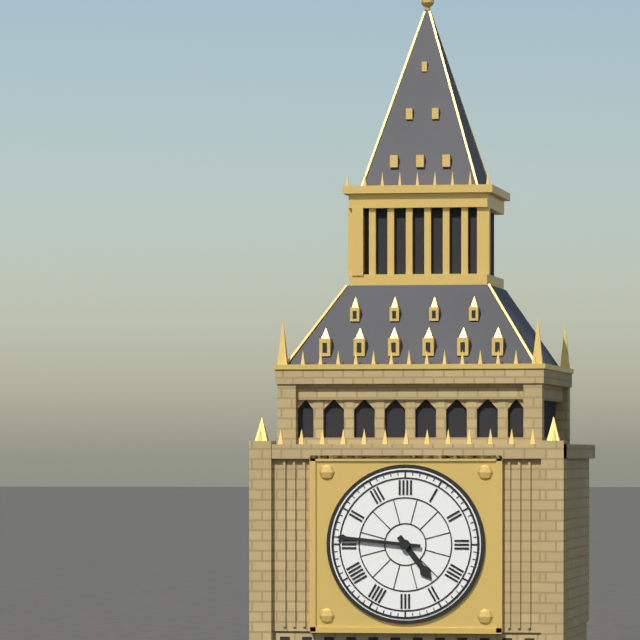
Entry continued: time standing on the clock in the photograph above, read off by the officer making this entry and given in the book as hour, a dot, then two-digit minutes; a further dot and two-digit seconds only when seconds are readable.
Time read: 4.46
